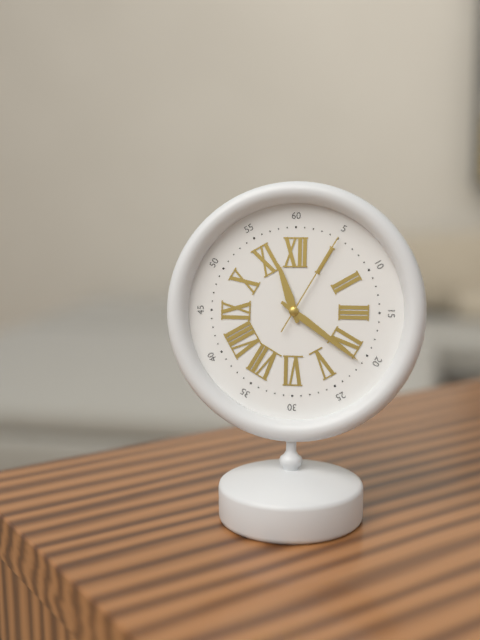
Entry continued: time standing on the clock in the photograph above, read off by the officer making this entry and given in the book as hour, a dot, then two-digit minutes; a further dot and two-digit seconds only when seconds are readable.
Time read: 11.21.05
